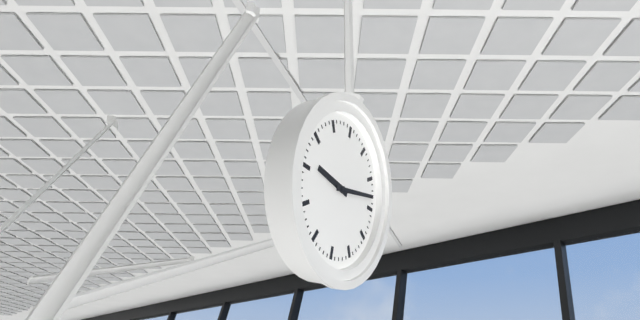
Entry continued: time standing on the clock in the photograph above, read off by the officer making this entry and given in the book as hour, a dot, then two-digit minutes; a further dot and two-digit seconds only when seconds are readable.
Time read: 9.13
